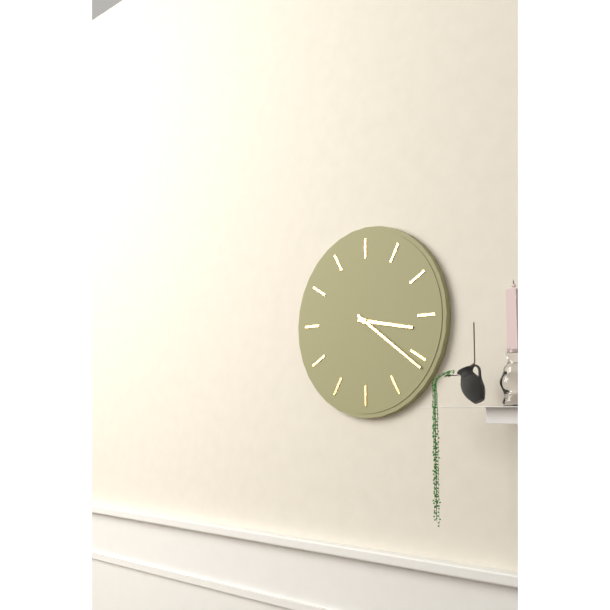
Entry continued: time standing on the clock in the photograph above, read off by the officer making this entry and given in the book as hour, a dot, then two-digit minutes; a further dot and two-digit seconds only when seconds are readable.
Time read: 3.21
